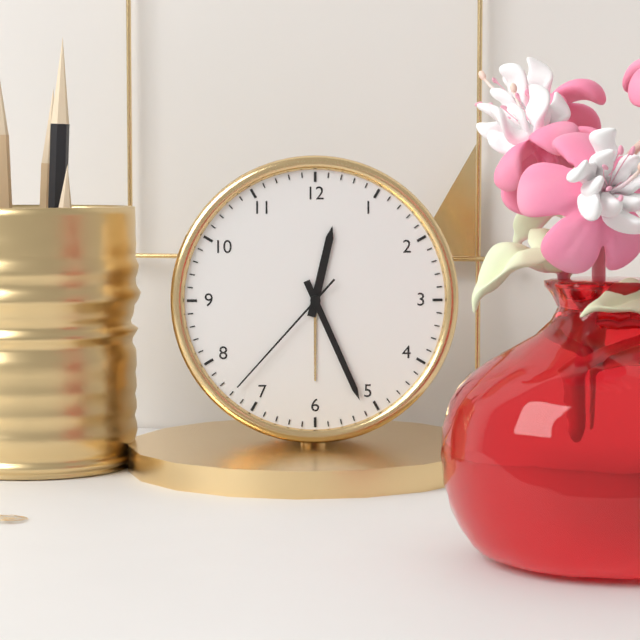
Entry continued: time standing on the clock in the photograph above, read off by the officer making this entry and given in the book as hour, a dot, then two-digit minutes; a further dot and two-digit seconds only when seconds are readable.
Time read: 12.26.37
